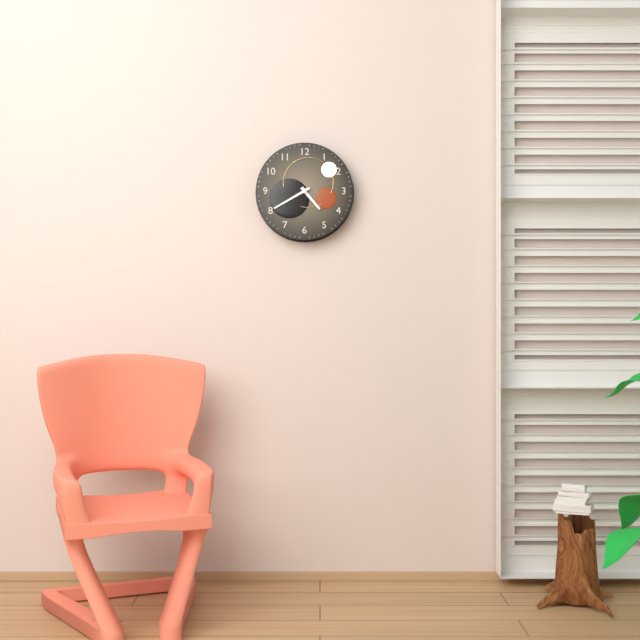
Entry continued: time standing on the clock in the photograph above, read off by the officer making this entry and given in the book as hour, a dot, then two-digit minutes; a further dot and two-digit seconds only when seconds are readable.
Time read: 4.40
